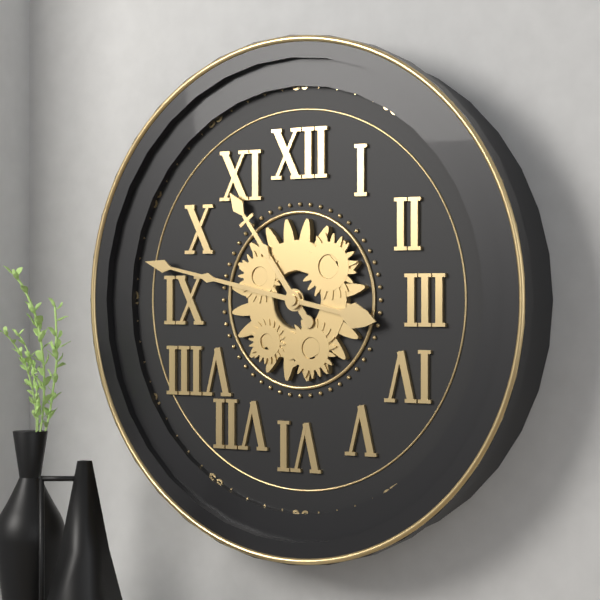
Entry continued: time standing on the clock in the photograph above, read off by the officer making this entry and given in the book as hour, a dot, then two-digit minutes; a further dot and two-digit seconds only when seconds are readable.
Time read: 10.47
